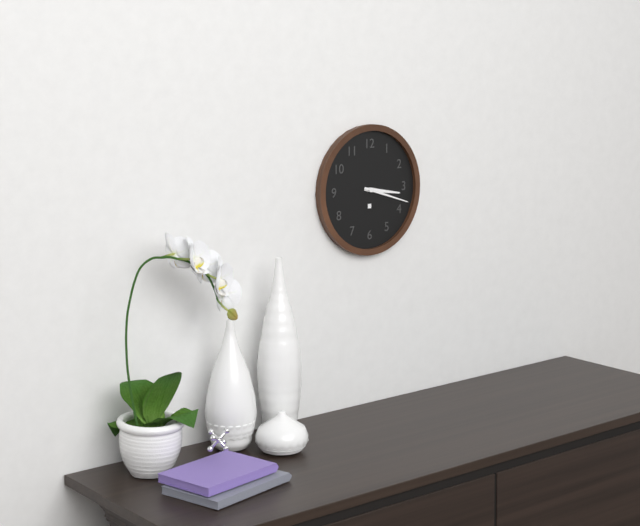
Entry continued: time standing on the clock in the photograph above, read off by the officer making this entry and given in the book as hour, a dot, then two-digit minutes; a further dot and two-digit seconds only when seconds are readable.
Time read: 3.18
